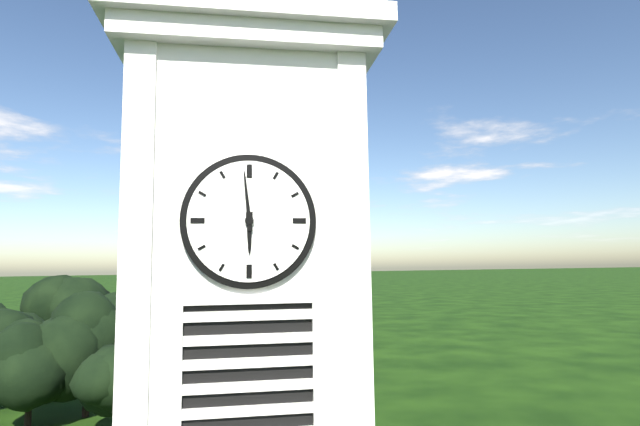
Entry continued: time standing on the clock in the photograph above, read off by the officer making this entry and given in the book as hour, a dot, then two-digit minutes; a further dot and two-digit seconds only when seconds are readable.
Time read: 5.59
